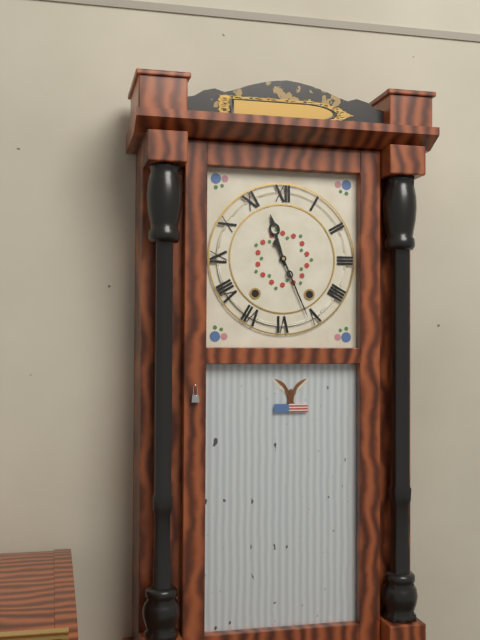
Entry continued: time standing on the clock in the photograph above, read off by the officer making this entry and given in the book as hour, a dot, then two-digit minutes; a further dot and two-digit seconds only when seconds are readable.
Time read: 11.26
